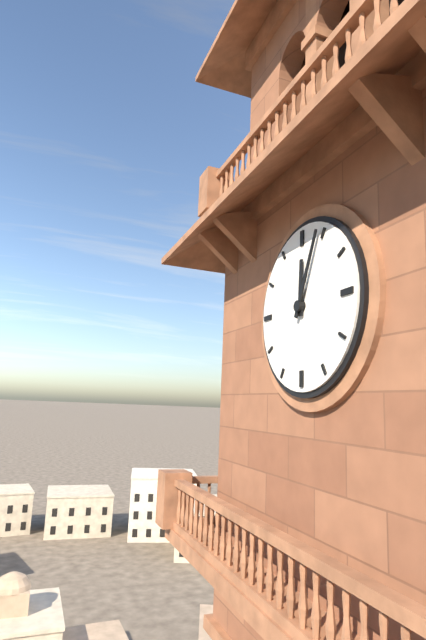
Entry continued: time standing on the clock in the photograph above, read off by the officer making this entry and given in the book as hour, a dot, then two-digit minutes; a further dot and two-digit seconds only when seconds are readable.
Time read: 12.04
